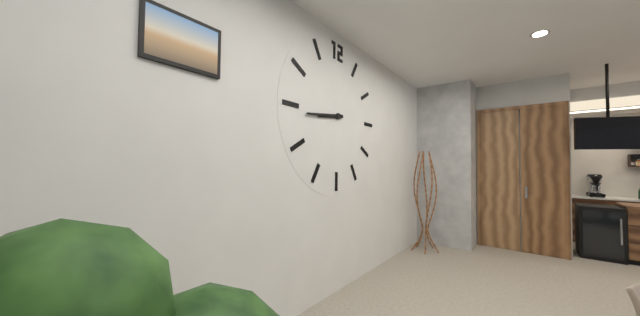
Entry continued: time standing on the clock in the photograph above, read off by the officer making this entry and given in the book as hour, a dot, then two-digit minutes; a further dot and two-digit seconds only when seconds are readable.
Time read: 8.44
